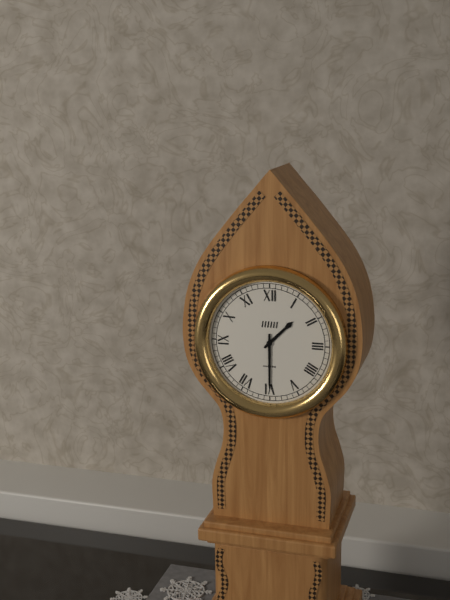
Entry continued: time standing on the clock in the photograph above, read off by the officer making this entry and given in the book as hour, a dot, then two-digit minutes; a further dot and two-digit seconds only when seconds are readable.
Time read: 1.30
